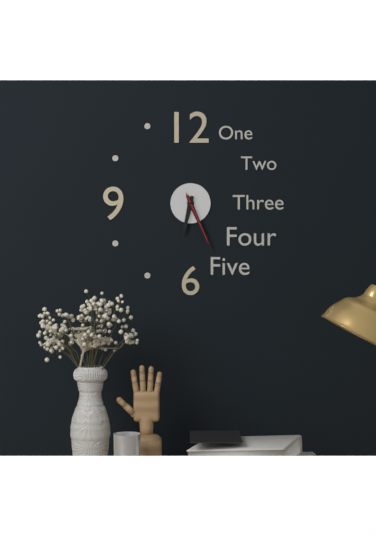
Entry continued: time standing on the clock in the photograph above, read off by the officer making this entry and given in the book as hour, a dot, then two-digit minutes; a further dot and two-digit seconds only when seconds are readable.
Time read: 6.26.26
